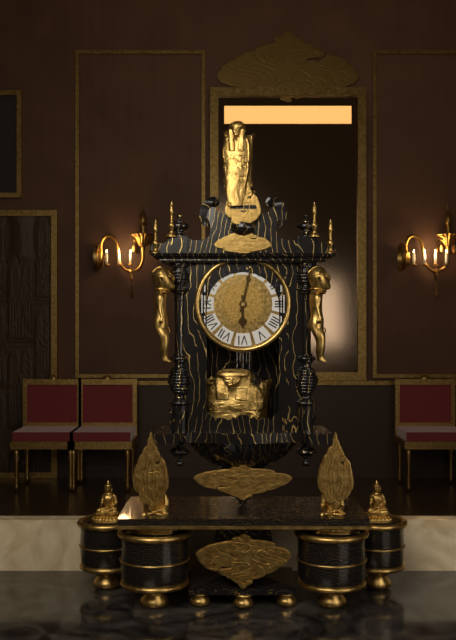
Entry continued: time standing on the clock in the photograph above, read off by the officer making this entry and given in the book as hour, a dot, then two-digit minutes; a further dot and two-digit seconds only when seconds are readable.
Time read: 6.02
